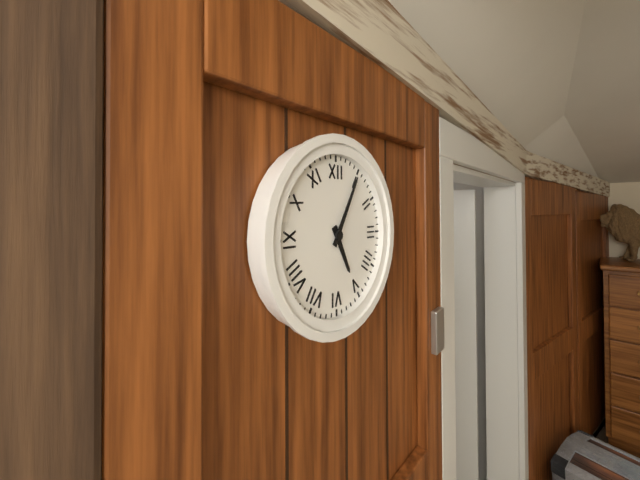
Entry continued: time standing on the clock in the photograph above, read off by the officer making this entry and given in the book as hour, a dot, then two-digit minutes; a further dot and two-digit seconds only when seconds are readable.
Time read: 5.05
